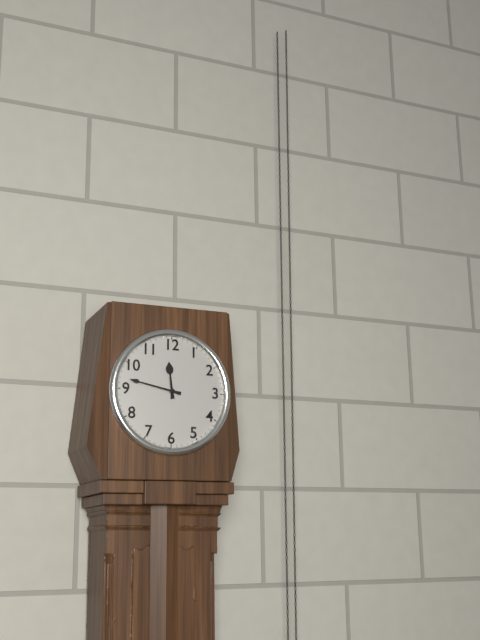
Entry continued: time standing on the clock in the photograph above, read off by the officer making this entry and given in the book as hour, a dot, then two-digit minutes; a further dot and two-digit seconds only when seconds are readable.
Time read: 11.47
